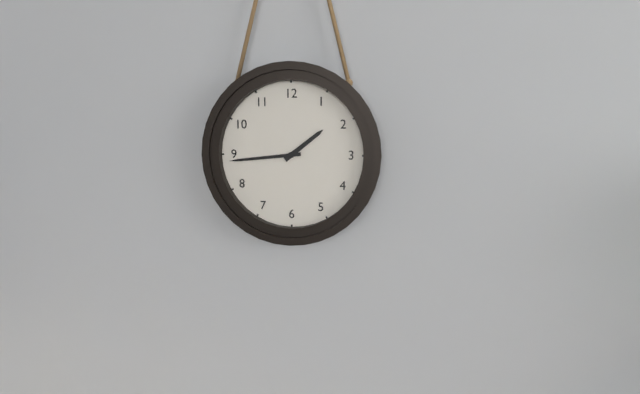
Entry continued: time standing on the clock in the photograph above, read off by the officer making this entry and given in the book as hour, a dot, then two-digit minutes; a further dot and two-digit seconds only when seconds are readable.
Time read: 1.44
